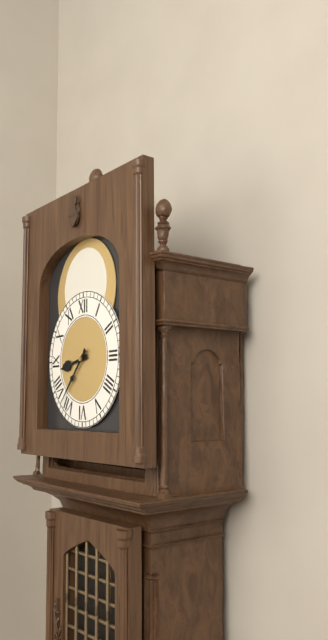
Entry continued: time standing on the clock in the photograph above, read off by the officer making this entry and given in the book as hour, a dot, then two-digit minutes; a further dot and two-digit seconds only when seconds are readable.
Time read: 8.37
